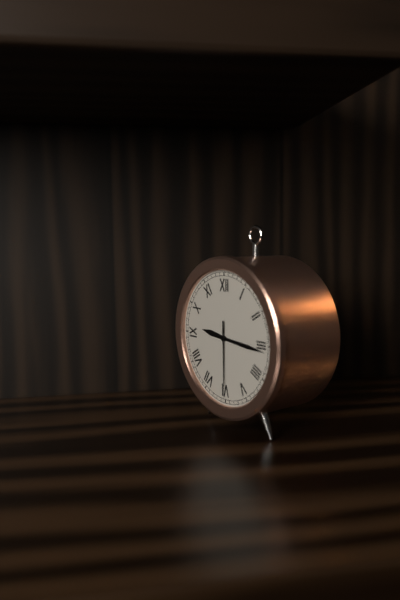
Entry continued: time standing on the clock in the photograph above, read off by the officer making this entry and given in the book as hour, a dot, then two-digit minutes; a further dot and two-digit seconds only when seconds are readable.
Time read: 9.16.30
